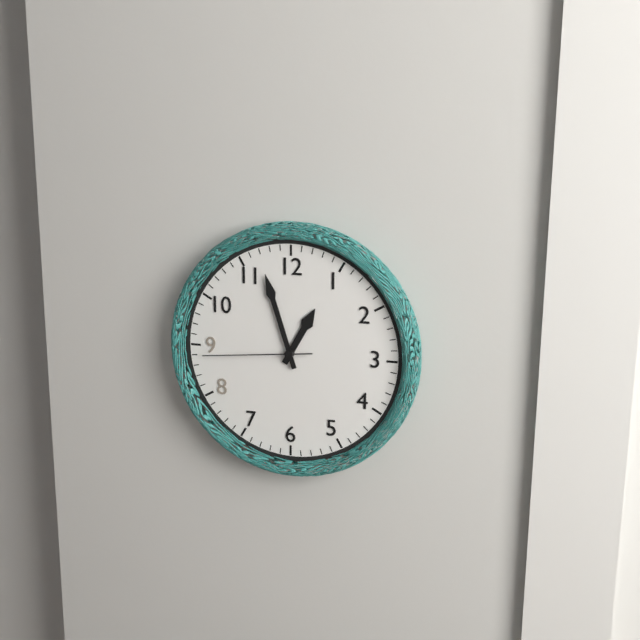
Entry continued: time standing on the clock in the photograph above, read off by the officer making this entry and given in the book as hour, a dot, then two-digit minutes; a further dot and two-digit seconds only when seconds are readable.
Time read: 12.57.44
